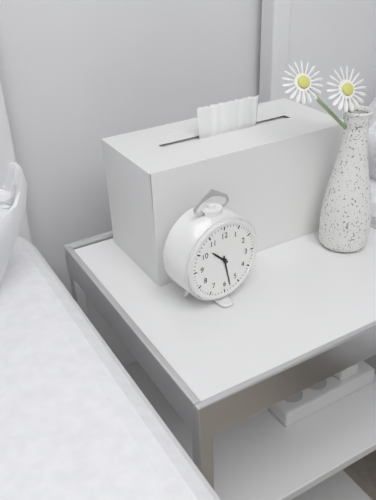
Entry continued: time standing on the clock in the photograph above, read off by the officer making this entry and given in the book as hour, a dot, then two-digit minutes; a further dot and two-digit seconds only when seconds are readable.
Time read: 10.28
